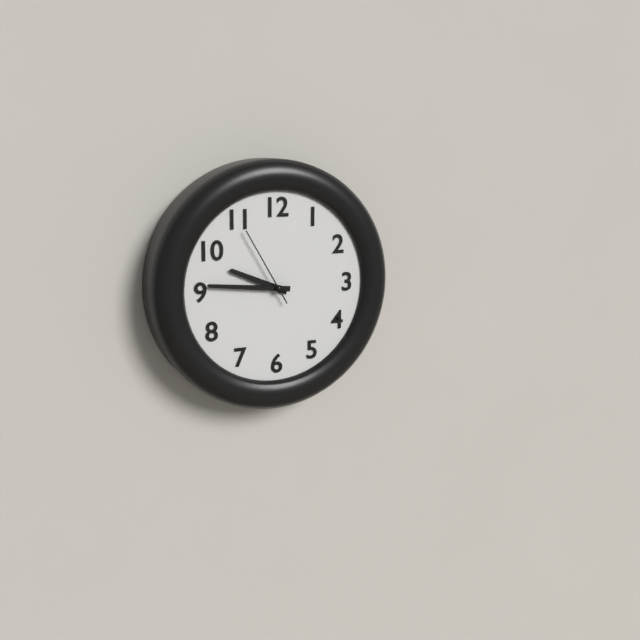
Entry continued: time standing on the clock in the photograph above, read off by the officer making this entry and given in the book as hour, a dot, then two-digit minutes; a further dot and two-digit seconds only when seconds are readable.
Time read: 9.46.55
